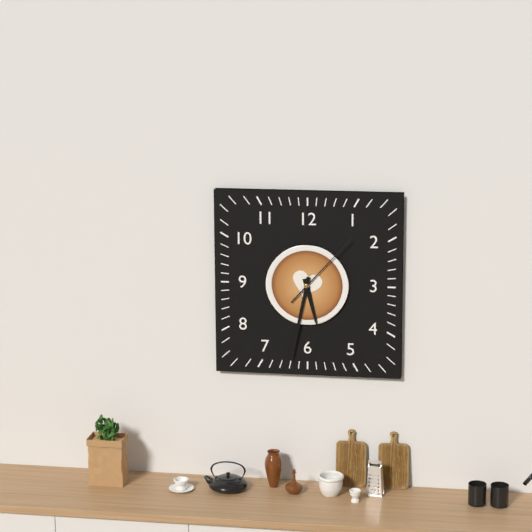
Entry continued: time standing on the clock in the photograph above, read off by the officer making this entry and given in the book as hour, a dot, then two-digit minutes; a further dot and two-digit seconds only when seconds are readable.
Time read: 5.32.07
